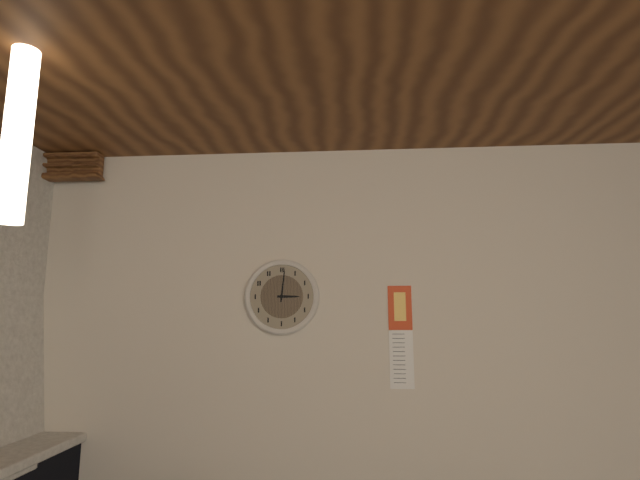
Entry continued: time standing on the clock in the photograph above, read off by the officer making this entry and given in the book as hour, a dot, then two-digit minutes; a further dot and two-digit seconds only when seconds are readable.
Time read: 3.01
